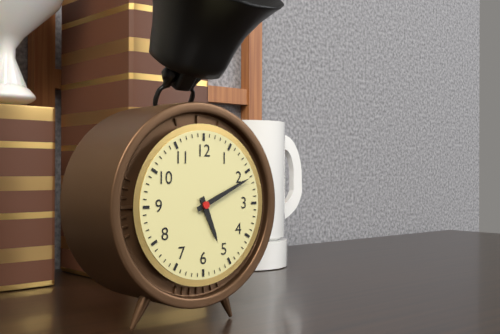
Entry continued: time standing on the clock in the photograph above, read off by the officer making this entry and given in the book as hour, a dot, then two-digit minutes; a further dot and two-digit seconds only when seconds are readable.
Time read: 5.11
